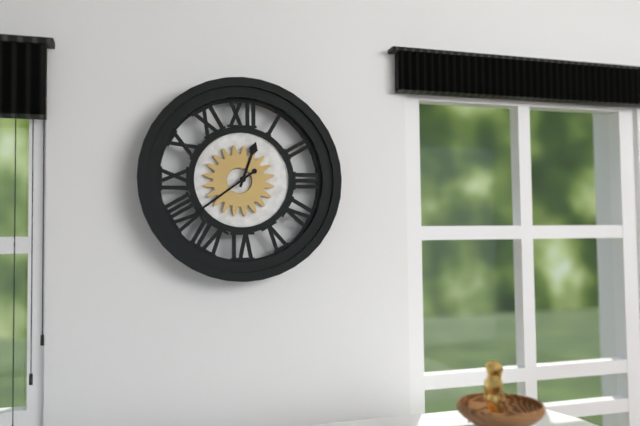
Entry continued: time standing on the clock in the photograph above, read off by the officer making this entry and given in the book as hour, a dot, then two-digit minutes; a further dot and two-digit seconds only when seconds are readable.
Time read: 12.39
